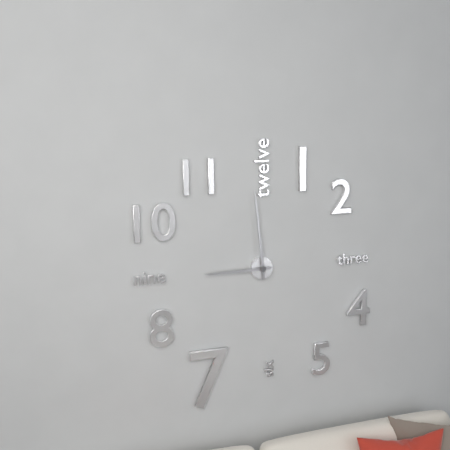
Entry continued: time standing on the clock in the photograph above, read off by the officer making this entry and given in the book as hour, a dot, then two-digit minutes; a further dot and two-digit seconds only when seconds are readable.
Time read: 8.59
